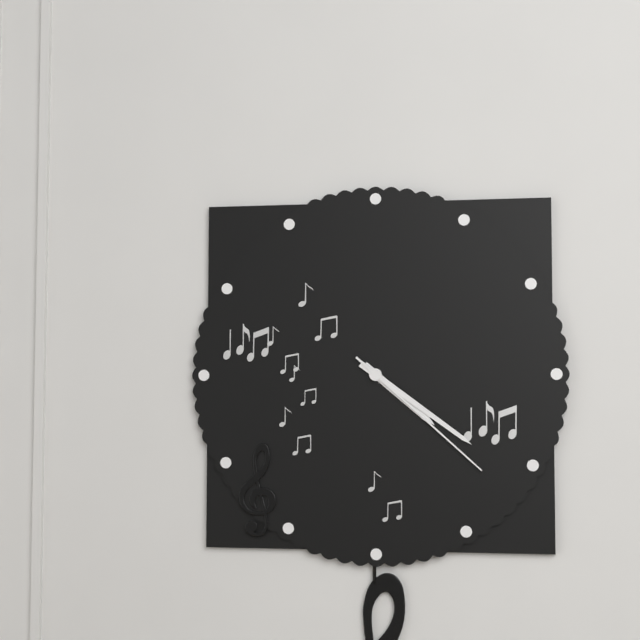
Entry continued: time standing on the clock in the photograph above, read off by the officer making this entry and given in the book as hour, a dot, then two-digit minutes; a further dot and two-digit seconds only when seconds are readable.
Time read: 4.21.22
